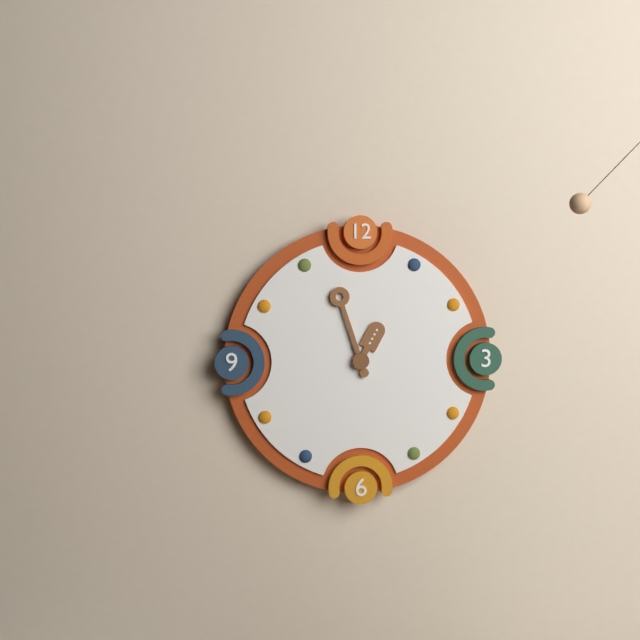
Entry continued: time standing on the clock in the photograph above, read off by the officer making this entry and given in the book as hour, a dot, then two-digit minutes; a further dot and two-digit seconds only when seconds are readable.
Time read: 12.57
